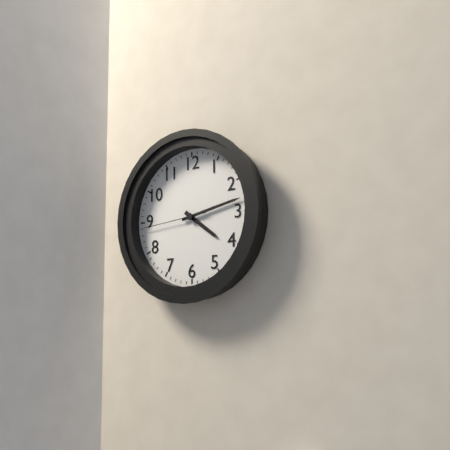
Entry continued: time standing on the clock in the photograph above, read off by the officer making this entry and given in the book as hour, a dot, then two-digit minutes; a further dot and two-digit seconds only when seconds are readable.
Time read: 4.13.44
